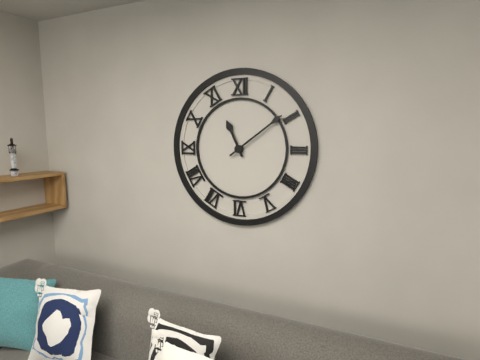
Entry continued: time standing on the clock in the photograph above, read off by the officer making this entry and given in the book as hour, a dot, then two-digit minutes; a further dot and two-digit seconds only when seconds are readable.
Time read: 11.09
